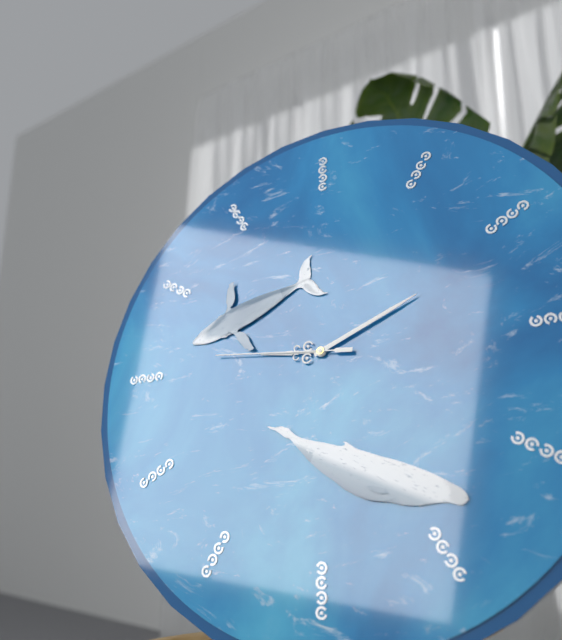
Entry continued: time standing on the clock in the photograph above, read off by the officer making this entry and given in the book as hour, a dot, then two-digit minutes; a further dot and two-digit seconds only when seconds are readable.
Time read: 9.11.46
